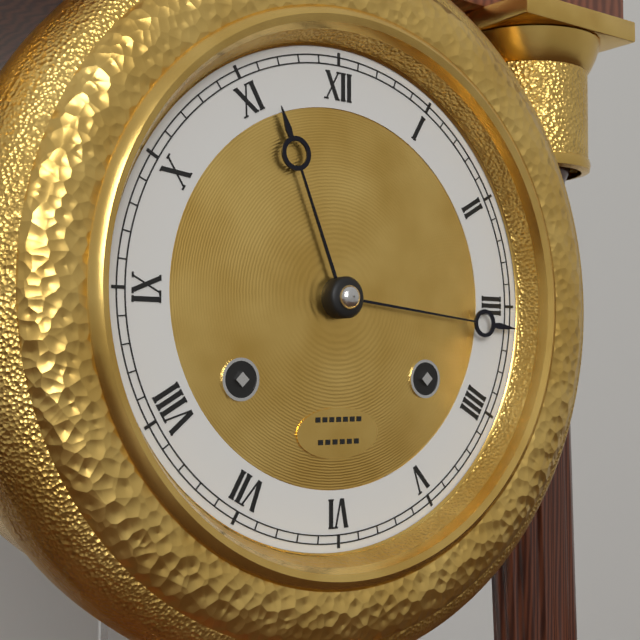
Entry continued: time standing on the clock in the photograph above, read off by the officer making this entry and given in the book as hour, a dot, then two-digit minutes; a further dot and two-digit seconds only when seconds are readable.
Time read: 11.16
